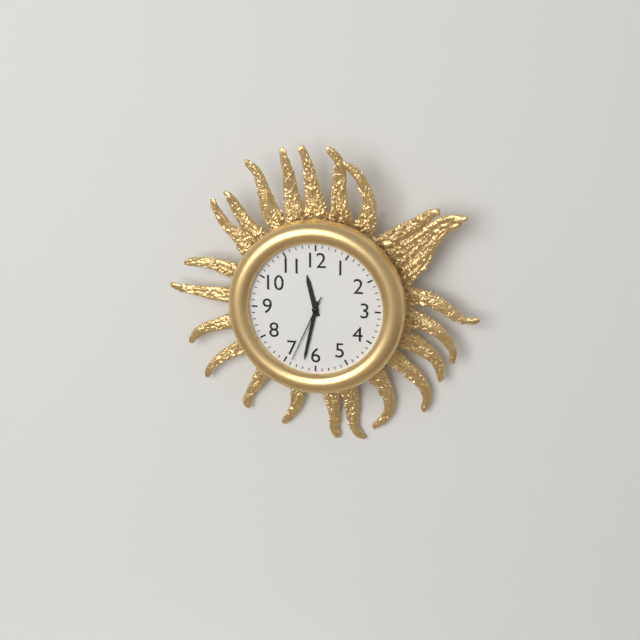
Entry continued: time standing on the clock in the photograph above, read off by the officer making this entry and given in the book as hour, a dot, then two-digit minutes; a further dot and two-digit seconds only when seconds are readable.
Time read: 11.32.34
